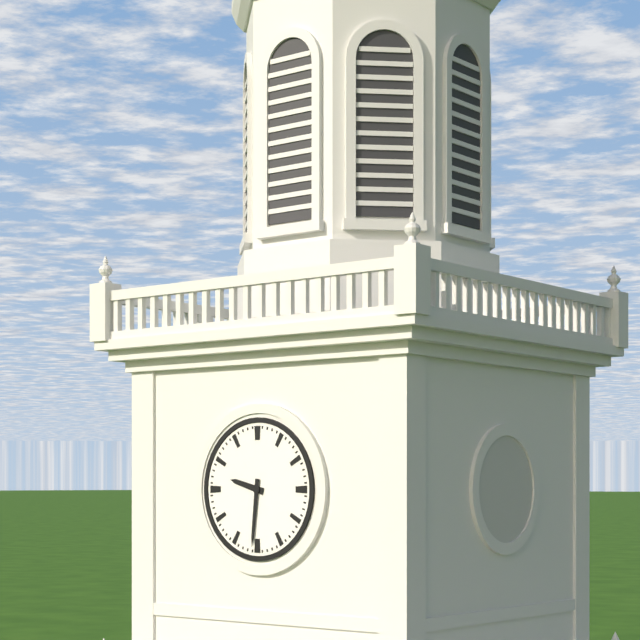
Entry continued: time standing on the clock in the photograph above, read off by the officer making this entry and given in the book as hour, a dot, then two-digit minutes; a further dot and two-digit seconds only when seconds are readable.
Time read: 9.31
